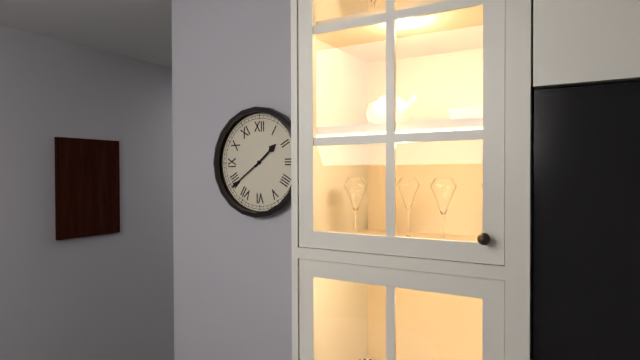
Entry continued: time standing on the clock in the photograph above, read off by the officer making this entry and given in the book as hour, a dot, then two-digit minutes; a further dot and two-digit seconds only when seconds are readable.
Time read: 1.39
